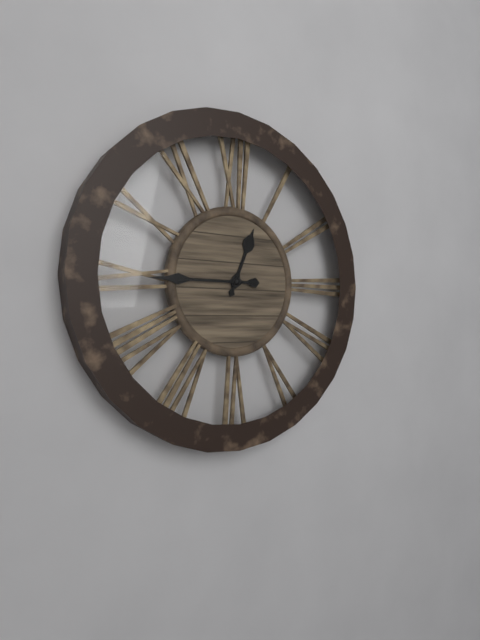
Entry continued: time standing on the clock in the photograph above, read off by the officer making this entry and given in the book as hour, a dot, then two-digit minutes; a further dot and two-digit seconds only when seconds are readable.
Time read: 12.45
